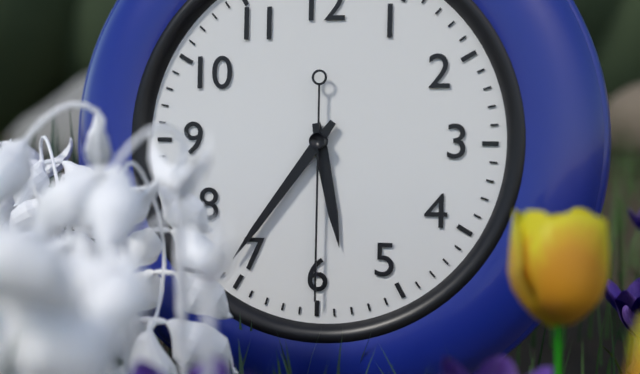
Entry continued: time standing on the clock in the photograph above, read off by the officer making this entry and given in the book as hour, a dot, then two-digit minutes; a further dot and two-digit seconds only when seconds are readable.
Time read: 5.36.30
